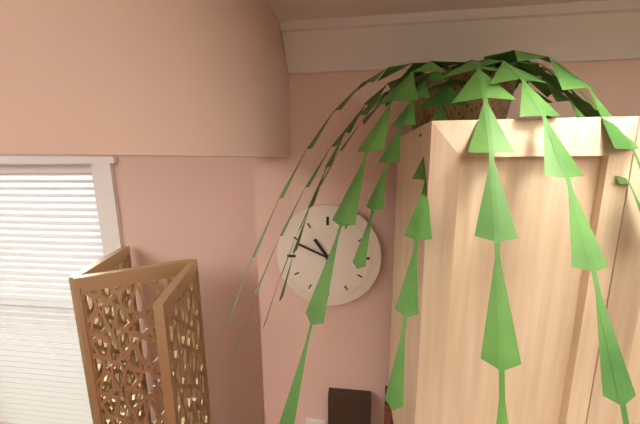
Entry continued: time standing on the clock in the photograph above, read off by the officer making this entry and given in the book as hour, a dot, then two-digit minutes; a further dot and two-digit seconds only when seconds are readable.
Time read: 10.49
